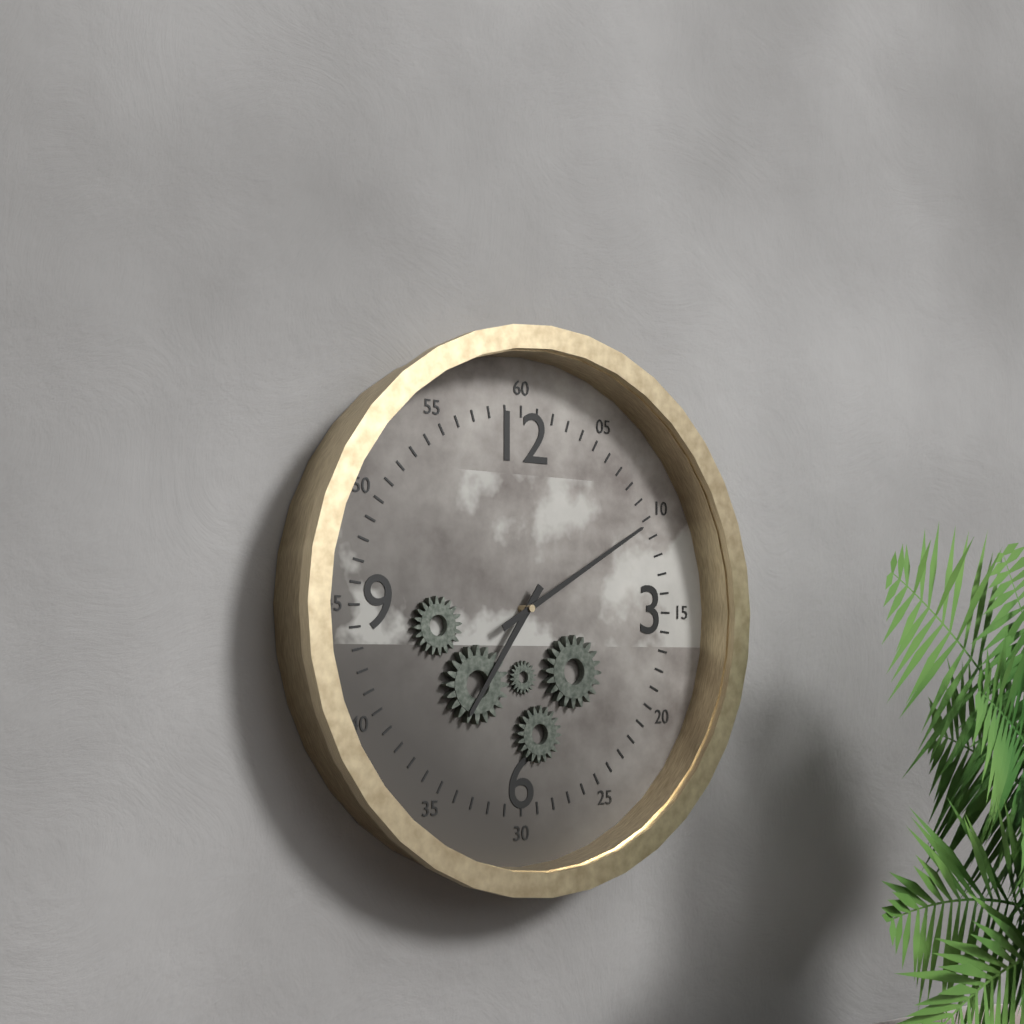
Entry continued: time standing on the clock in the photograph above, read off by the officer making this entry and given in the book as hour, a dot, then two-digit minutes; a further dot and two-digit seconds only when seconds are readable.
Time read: 7.10
